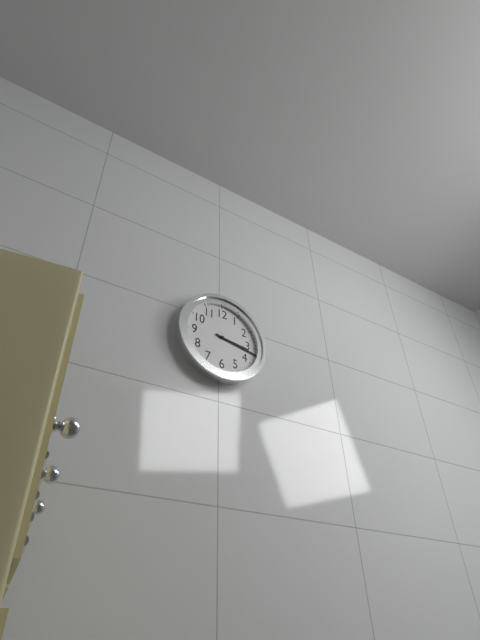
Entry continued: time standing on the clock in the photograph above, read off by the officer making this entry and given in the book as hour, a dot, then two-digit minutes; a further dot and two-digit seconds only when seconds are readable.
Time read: 3.17
